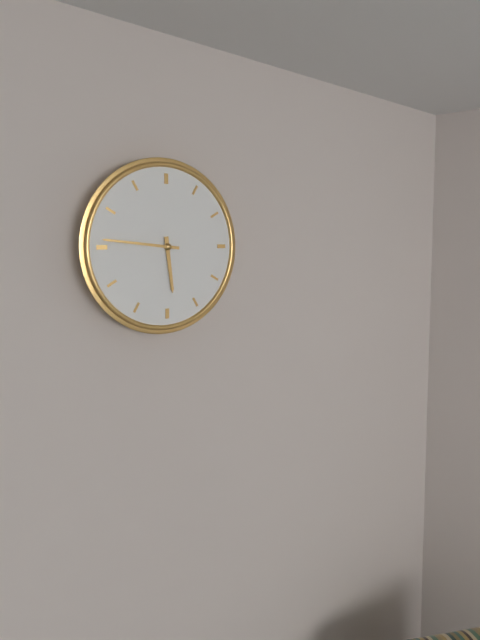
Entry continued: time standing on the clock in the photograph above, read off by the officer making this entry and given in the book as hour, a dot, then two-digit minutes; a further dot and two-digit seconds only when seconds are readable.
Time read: 5.46
